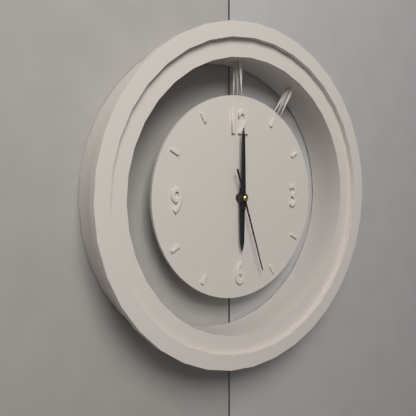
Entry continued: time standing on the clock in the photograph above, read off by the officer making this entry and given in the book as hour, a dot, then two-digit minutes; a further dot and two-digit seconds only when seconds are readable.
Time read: 6.00.27
